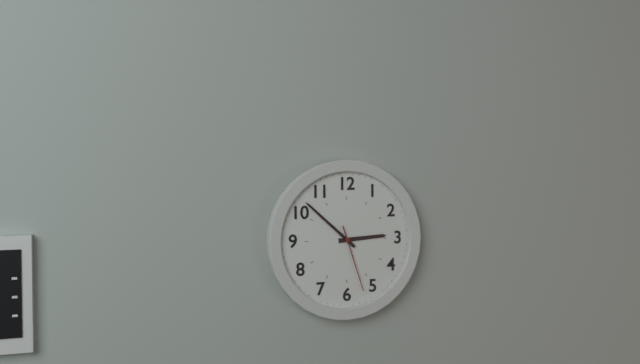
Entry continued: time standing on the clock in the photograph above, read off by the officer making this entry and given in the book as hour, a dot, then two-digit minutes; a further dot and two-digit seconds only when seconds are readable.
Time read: 2.52.27
